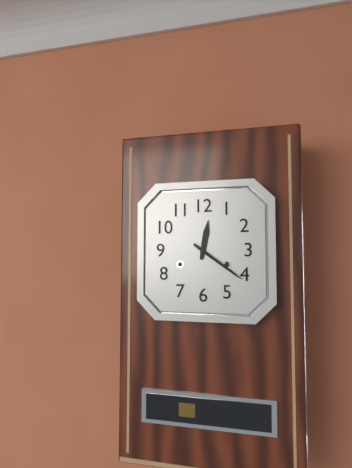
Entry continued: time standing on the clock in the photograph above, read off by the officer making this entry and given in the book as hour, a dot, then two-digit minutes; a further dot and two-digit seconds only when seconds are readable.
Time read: 12.21
